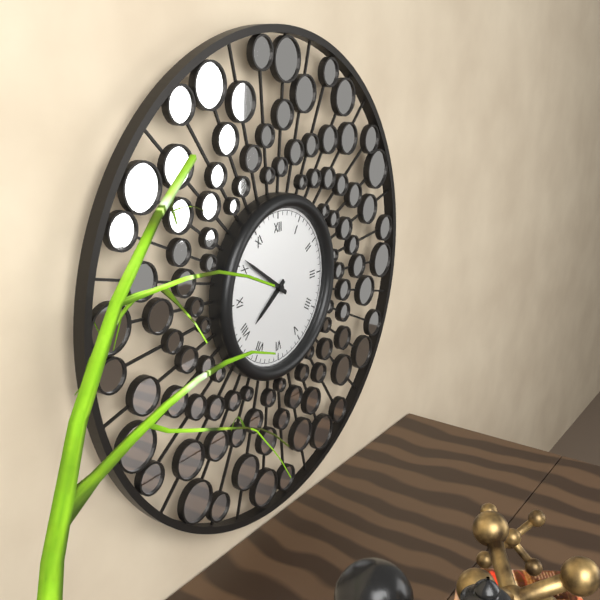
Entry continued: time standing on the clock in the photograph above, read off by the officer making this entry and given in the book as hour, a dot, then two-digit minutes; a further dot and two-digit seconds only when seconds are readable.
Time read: 7.51
